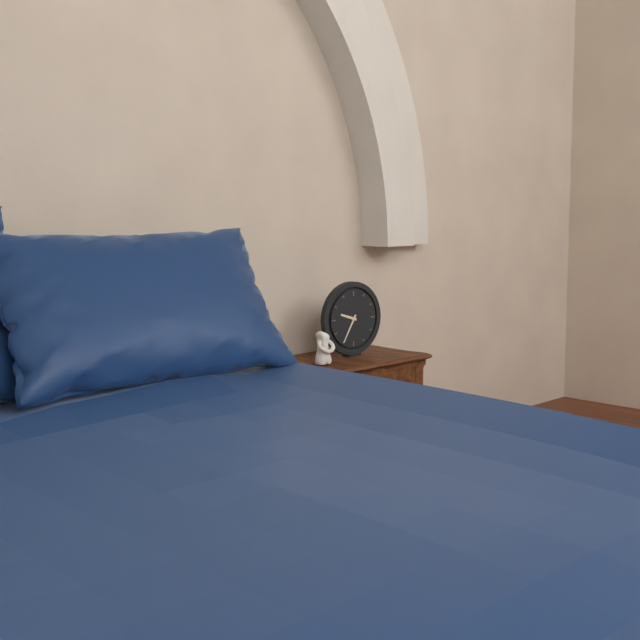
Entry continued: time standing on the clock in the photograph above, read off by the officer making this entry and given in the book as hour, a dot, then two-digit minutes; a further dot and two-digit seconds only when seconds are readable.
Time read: 9.35
